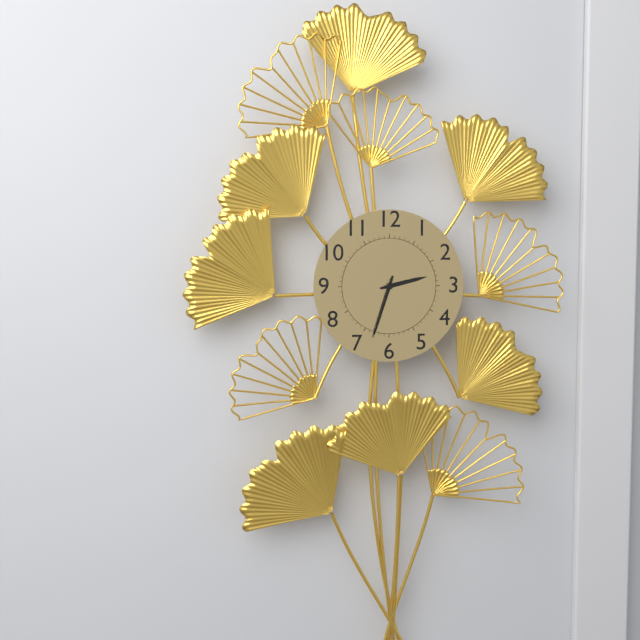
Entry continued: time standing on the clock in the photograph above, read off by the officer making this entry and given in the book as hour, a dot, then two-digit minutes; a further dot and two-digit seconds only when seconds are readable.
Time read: 2.33
